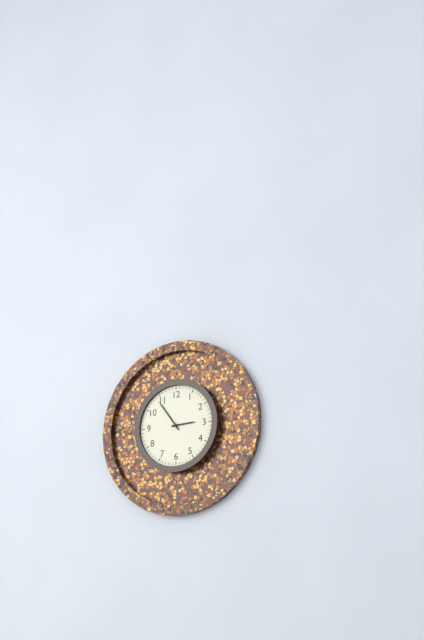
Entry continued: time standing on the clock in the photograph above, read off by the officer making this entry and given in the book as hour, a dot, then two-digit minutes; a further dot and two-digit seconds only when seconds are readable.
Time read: 2.54
